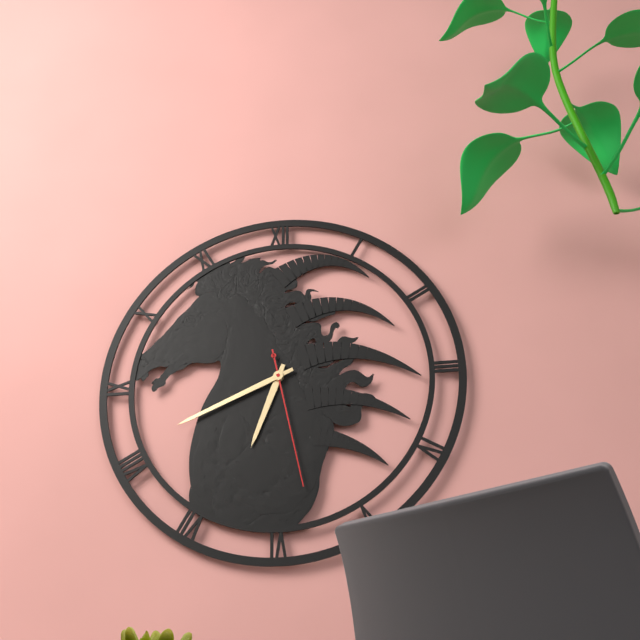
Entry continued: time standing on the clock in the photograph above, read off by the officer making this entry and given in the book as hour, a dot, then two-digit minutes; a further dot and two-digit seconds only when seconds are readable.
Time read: 6.41.28
